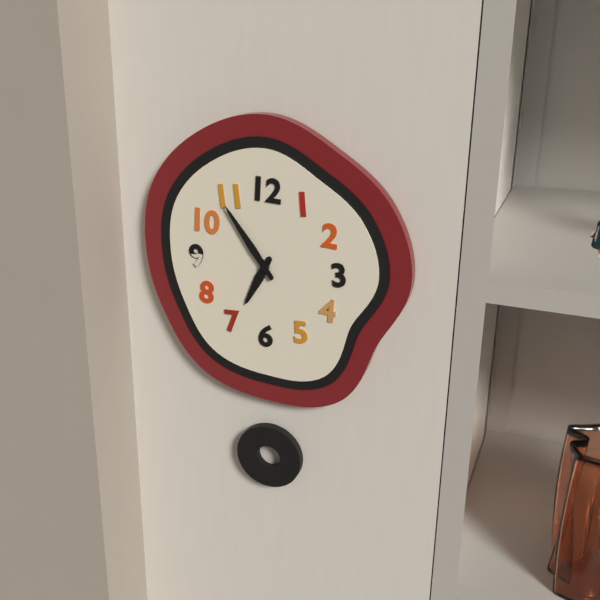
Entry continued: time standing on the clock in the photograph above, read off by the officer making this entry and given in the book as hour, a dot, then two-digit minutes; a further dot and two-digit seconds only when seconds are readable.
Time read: 6.54
